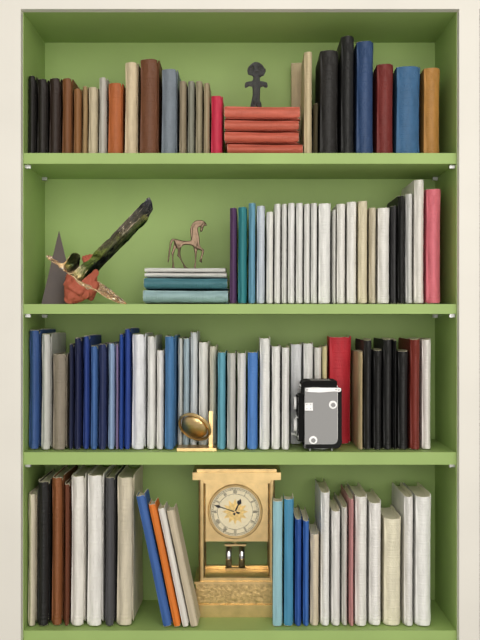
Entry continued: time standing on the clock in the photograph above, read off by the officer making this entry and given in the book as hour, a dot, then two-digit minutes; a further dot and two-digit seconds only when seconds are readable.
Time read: 12.48
